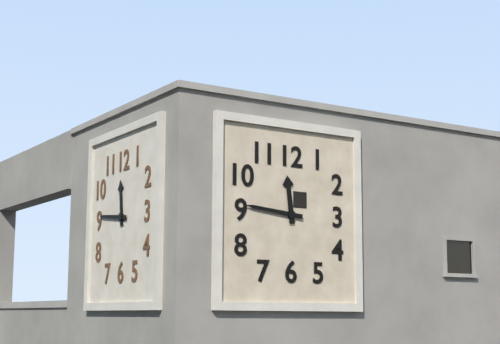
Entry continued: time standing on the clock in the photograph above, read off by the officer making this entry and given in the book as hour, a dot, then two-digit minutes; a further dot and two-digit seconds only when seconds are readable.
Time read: 11.46
